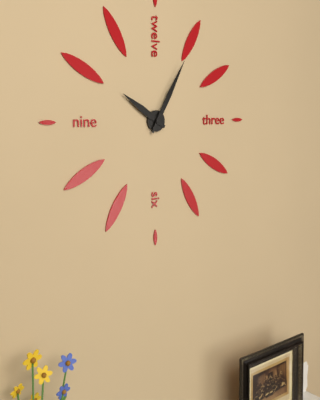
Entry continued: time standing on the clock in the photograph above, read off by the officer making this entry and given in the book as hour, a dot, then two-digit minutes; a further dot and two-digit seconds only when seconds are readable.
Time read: 10.05
